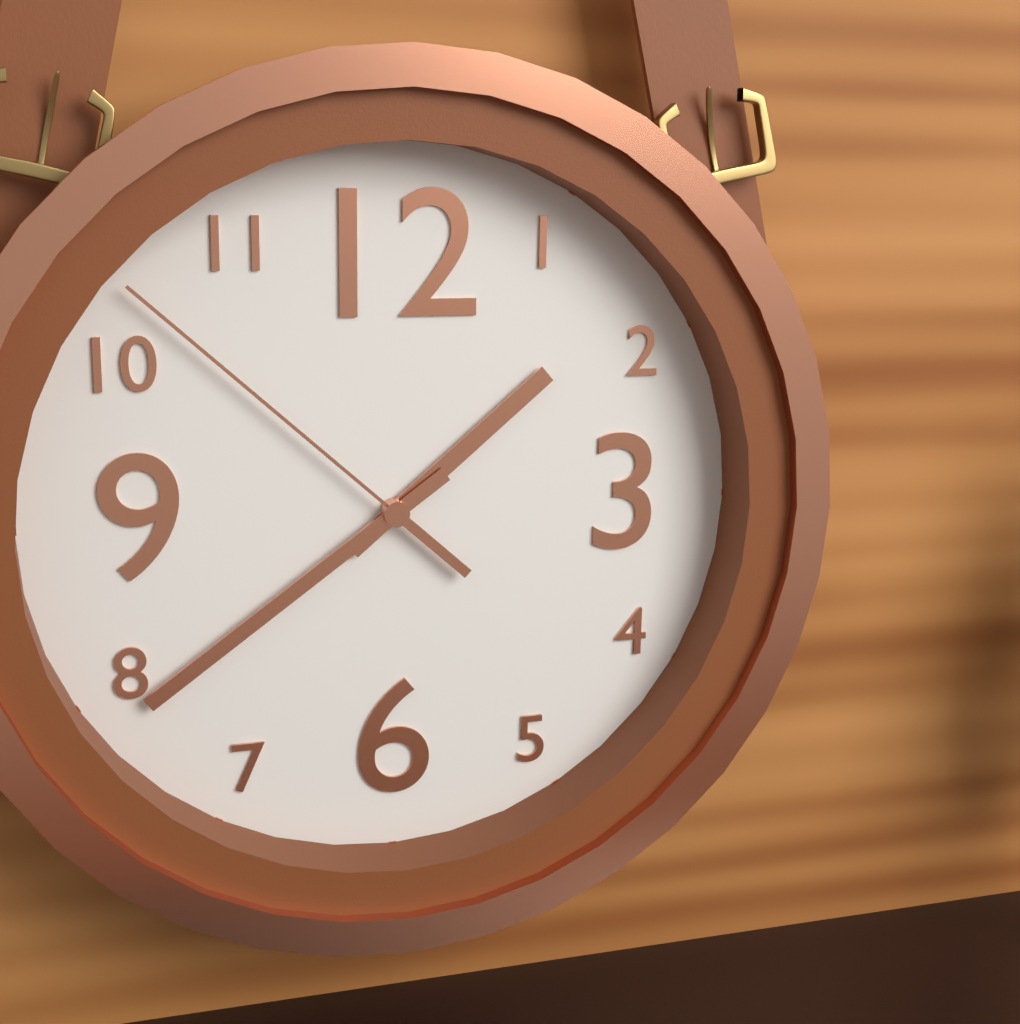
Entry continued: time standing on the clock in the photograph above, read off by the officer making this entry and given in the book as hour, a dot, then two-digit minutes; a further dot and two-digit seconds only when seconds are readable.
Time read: 1.39.52
